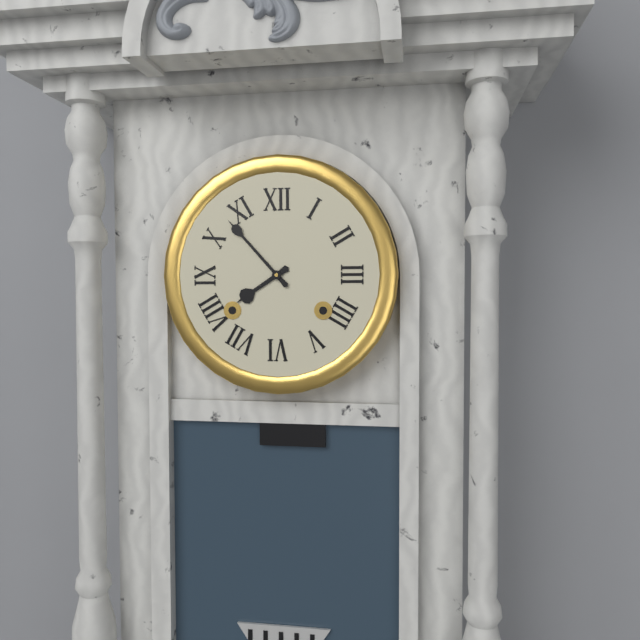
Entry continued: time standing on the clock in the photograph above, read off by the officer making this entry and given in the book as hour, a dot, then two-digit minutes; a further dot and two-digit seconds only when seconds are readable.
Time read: 7.53
